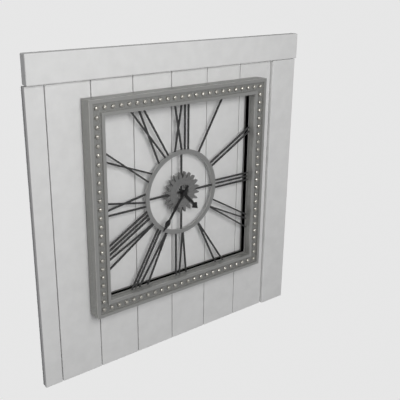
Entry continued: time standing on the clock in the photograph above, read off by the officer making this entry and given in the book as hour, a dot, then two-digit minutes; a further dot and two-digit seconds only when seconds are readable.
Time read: 4.36
